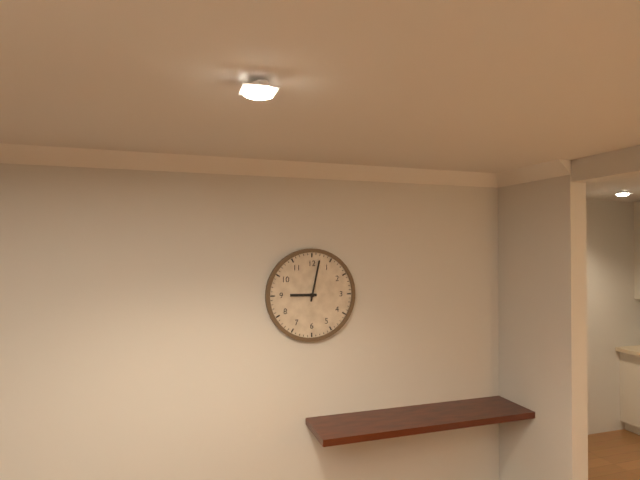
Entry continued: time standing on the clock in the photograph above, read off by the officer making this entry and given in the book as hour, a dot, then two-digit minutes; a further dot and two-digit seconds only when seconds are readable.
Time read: 9.02
